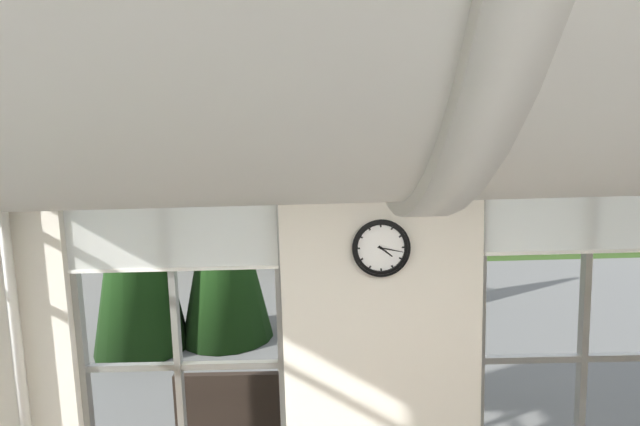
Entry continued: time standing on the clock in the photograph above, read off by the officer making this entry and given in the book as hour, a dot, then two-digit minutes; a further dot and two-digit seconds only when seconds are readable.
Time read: 4.17
